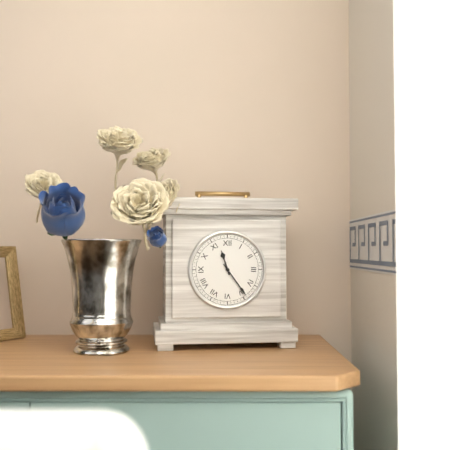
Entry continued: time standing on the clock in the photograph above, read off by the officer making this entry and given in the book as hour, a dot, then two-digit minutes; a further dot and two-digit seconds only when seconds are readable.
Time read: 11.24
